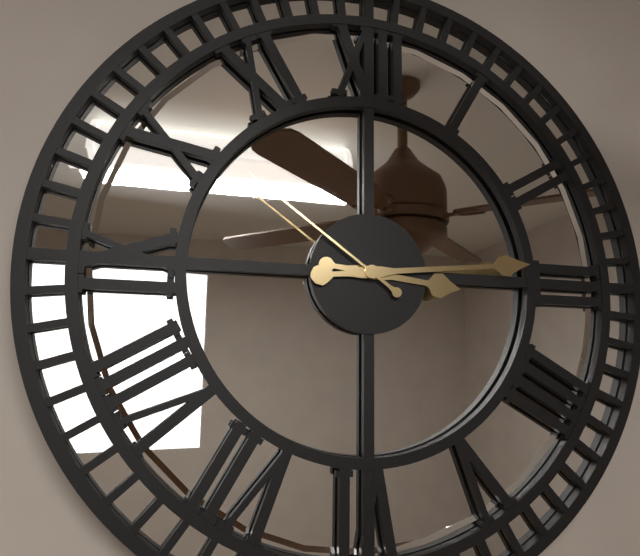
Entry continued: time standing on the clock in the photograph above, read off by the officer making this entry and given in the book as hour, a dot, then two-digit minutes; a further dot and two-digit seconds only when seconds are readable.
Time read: 3.14.51
